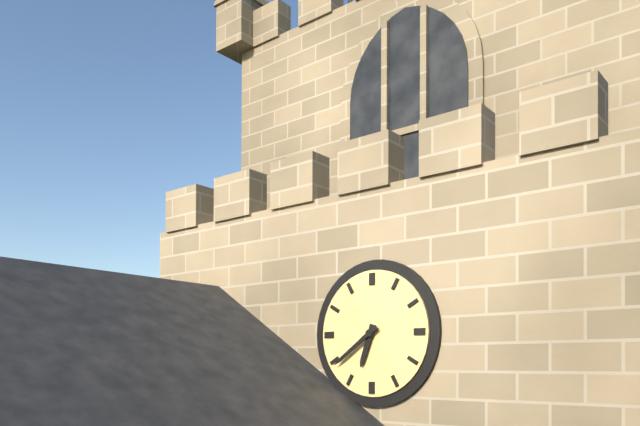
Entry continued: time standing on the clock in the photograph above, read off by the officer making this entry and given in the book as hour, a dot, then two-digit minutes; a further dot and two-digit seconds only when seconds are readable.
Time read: 6.39
